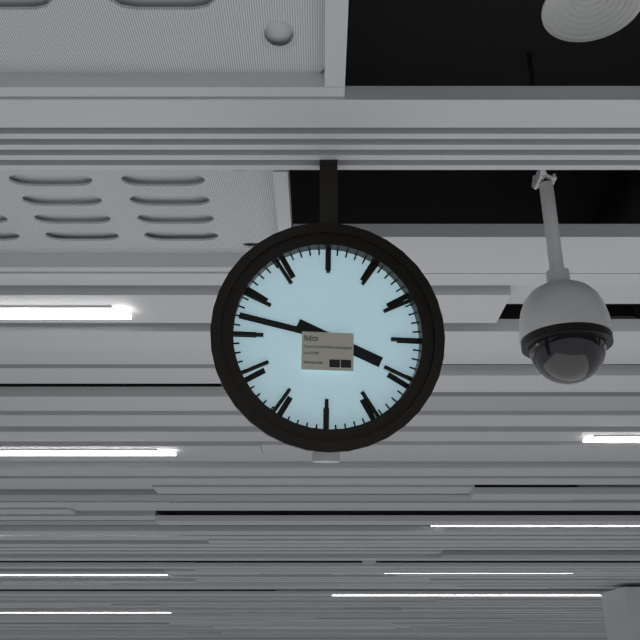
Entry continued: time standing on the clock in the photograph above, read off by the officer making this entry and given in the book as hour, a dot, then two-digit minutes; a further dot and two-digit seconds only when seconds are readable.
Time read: 3.47
